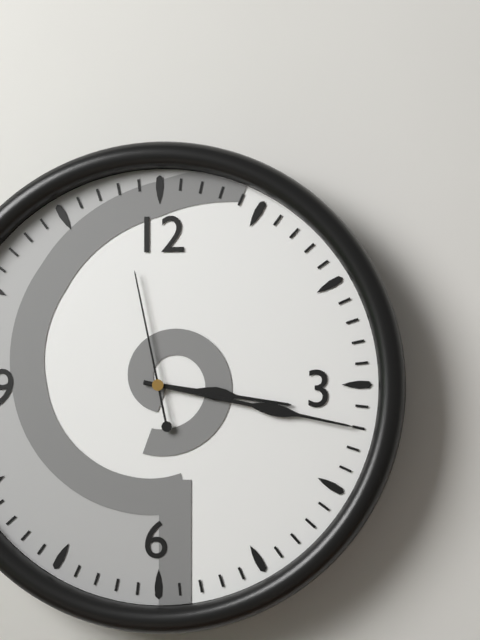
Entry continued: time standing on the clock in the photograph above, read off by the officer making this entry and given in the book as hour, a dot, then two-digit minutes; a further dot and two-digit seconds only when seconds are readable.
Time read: 3.17.58
